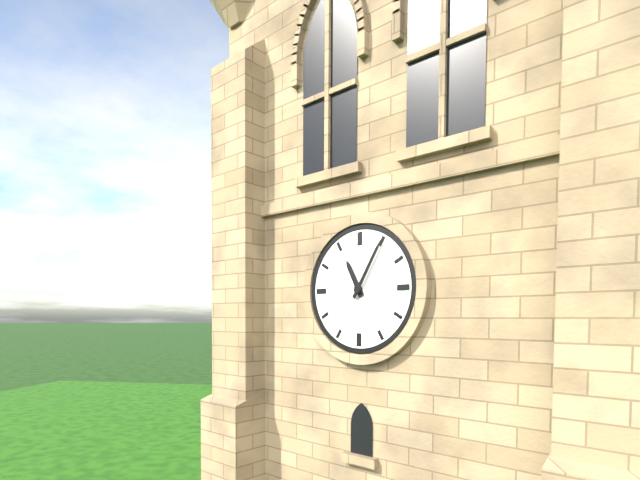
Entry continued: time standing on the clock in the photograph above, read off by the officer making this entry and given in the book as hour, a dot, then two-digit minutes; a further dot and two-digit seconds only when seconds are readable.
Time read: 11.05
